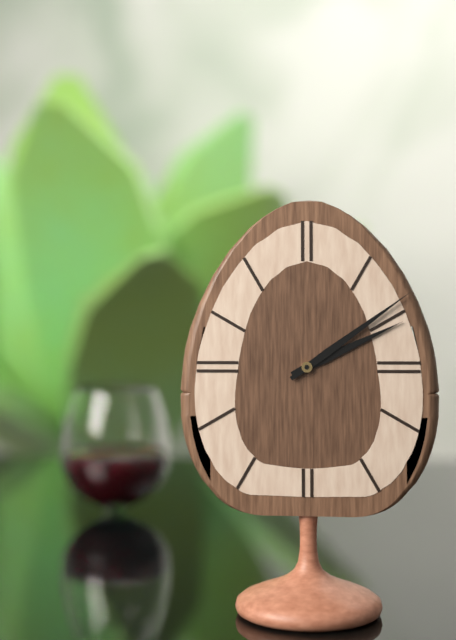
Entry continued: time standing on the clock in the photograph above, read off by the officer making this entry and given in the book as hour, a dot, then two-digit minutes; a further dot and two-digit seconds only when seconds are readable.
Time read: 2.09
